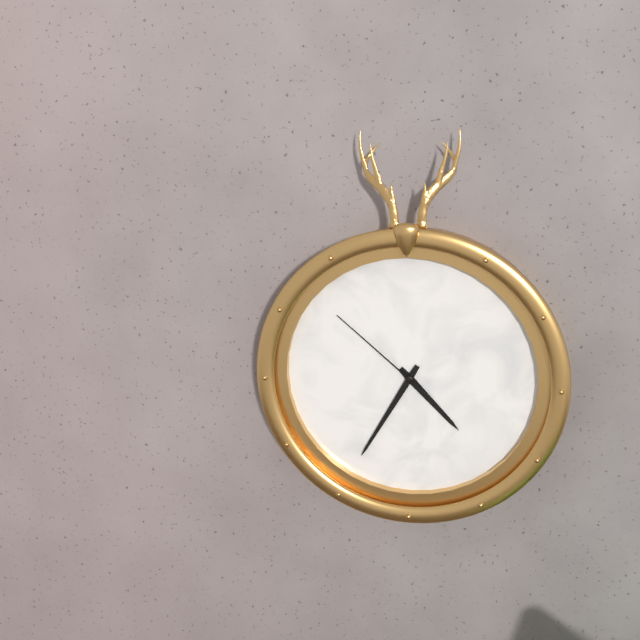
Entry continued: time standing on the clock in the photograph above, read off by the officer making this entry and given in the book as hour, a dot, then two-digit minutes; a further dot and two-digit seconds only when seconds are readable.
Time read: 4.35.52
